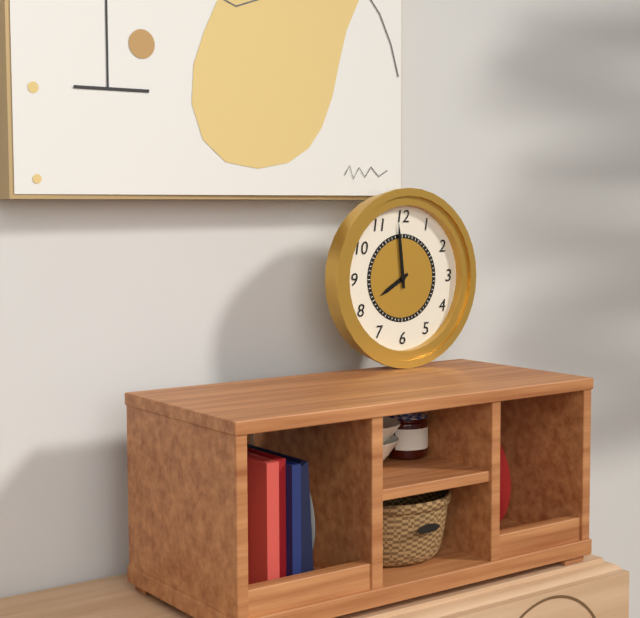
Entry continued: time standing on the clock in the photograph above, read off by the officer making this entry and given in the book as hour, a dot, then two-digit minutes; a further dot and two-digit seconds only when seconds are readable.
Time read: 7.59
